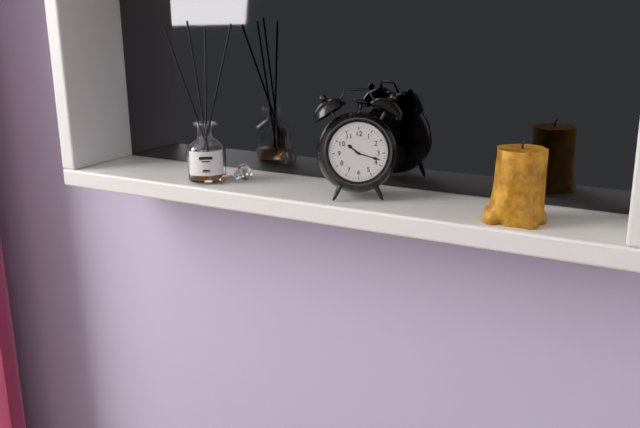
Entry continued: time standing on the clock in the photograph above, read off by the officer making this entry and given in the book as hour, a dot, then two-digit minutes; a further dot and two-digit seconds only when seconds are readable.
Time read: 10.18
